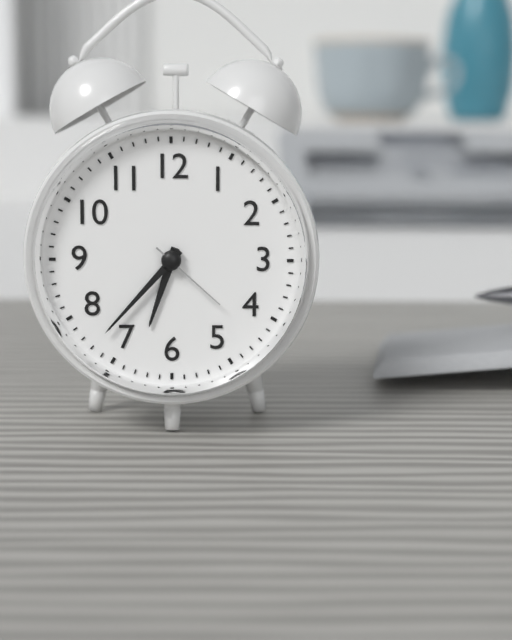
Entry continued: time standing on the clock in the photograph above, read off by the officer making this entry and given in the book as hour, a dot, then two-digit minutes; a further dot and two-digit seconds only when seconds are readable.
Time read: 6.37.22
